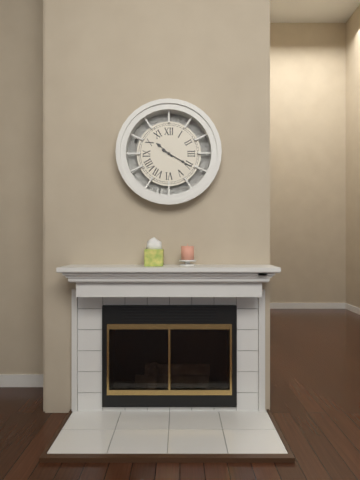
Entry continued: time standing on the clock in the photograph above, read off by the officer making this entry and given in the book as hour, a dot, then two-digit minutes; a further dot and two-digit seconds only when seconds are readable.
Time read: 10.20
